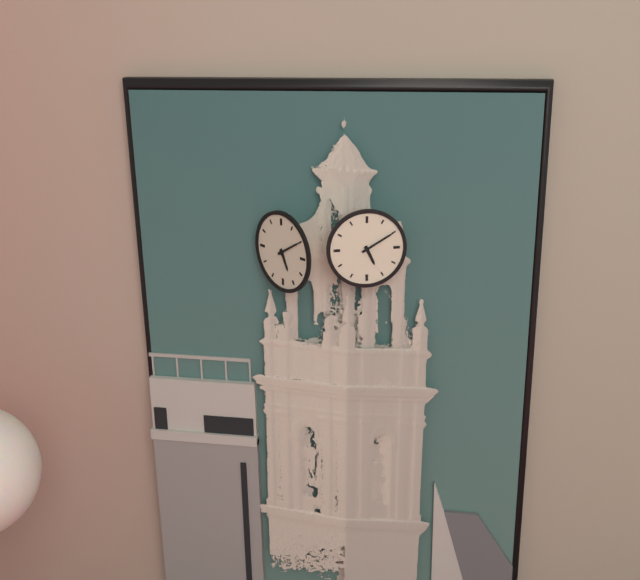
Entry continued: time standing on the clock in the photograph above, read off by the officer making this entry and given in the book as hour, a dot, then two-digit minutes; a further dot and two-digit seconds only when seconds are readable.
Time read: 5.10
